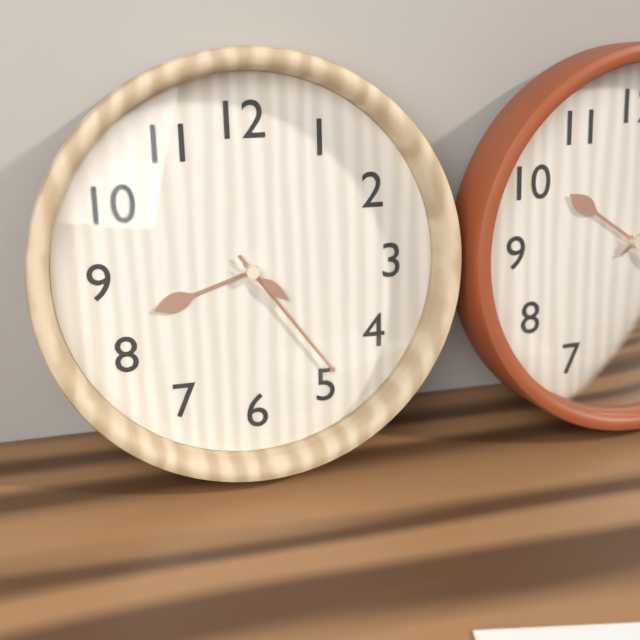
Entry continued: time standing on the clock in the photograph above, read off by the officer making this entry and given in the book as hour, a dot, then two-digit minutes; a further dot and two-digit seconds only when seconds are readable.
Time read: 8.24.22
